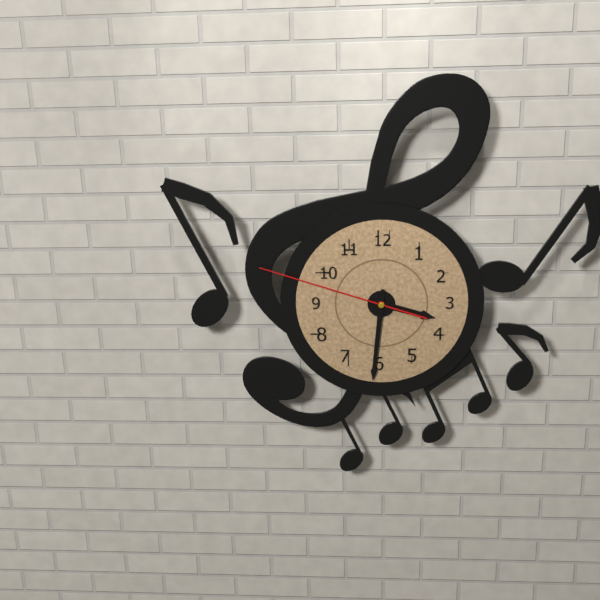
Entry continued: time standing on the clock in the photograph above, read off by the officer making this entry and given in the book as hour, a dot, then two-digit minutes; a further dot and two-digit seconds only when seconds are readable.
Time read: 3.31.48
